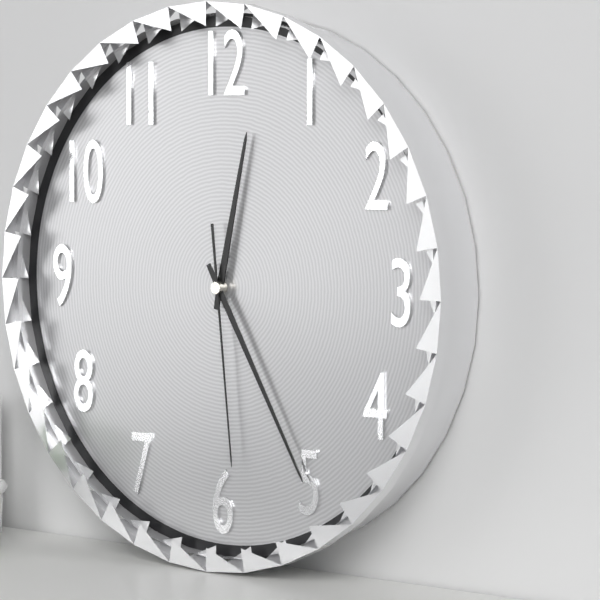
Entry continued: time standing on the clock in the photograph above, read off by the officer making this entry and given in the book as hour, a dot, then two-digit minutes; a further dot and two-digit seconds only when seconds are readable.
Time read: 12.25.29
